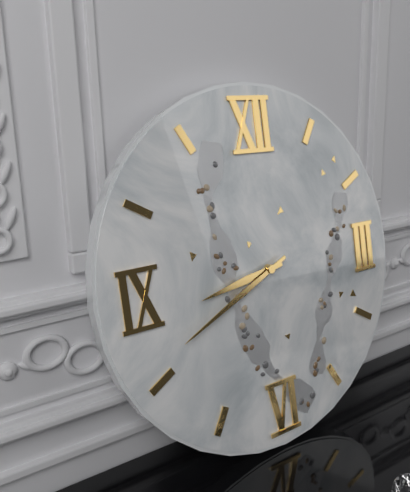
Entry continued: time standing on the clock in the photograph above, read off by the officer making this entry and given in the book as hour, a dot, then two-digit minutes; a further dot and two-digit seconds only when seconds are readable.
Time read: 8.41
